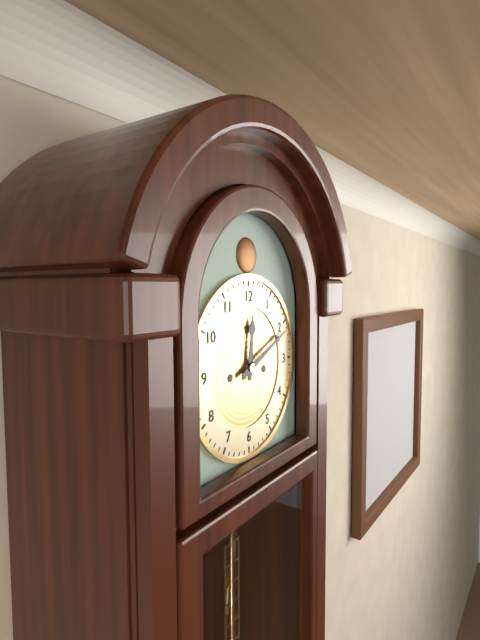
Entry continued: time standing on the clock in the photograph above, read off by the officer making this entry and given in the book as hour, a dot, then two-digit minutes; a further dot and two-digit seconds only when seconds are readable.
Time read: 12.11
